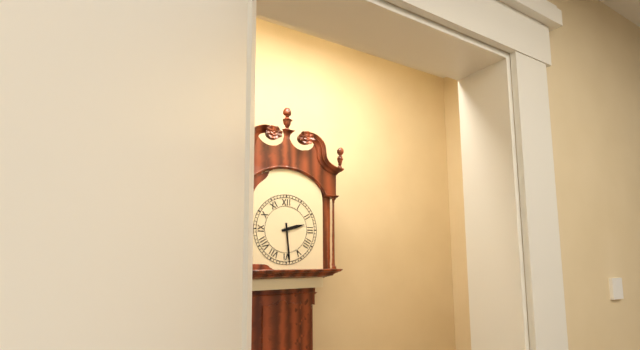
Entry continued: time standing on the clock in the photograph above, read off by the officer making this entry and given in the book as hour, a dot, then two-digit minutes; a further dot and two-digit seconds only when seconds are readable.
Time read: 2.29
